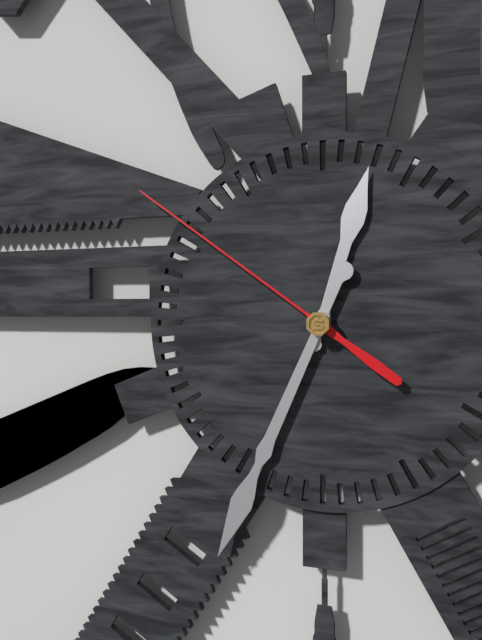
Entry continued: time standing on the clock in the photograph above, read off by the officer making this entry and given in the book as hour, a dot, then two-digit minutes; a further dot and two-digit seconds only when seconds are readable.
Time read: 12.34.51
